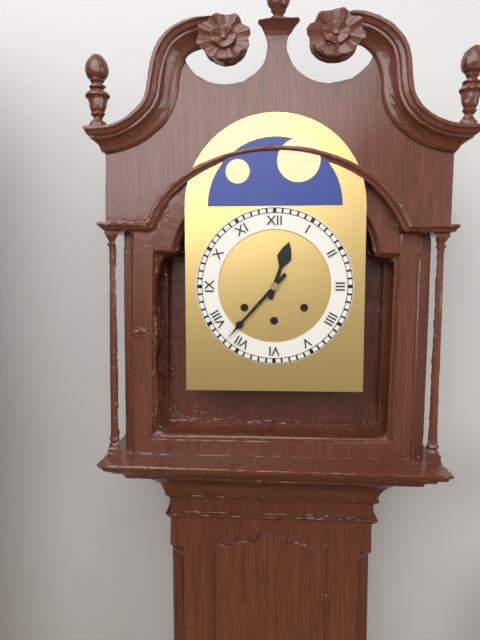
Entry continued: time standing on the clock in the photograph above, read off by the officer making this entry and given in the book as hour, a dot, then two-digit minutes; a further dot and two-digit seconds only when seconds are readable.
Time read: 12.37
